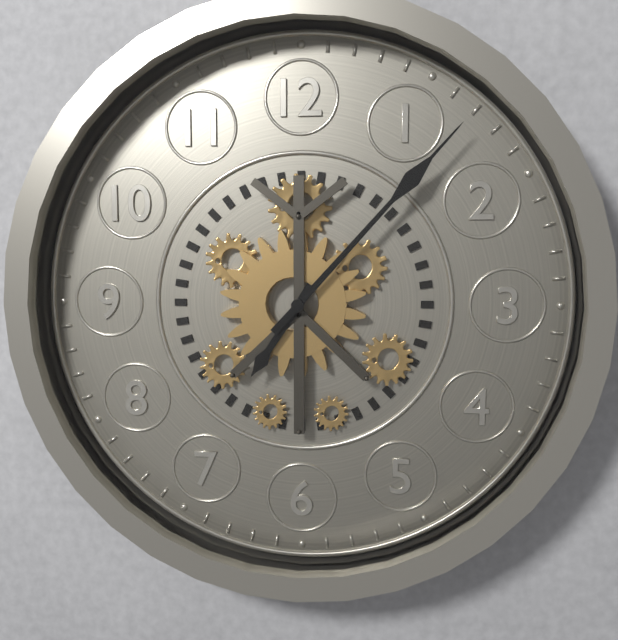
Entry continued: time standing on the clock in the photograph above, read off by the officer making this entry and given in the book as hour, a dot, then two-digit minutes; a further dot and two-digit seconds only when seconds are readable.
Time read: 7.07
